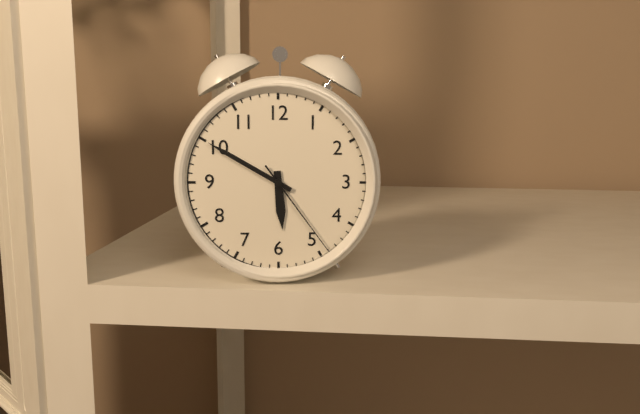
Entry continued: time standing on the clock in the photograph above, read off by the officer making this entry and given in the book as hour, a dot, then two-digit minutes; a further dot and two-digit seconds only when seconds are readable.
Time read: 5.50.24
